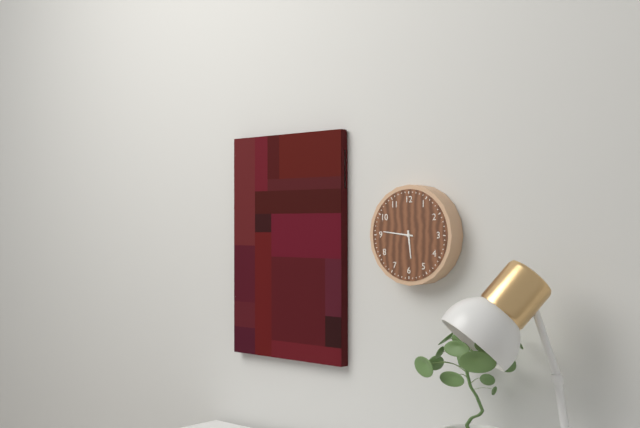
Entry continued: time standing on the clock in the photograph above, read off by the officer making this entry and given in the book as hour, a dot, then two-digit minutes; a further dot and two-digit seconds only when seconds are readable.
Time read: 5.46
